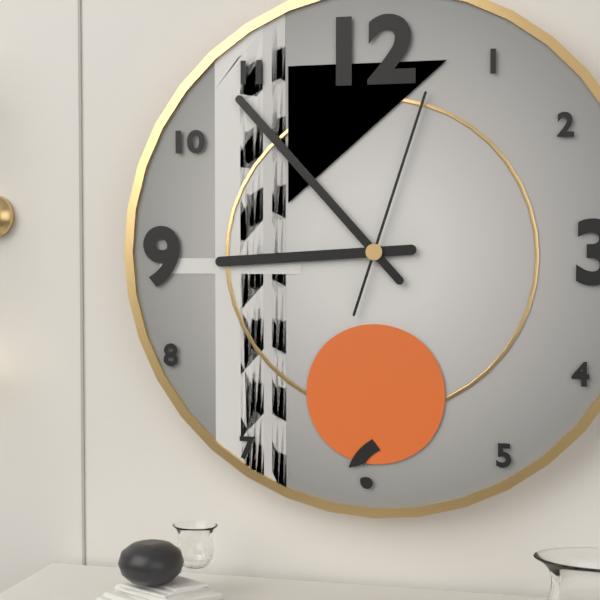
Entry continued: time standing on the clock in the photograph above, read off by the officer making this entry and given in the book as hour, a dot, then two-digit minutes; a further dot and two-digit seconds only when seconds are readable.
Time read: 8.53.03
